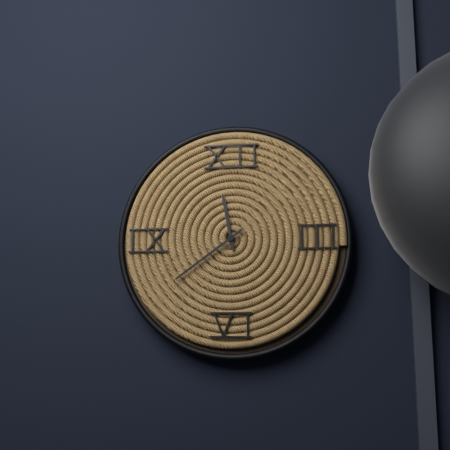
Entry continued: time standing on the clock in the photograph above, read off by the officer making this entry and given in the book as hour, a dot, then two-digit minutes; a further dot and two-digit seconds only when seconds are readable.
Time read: 11.39
